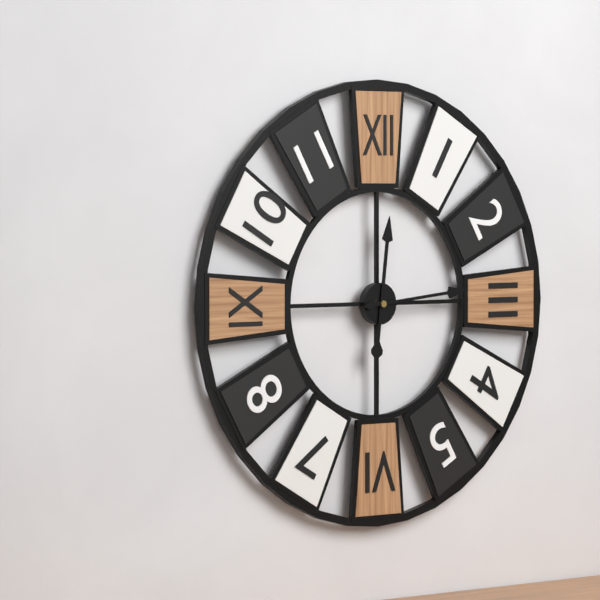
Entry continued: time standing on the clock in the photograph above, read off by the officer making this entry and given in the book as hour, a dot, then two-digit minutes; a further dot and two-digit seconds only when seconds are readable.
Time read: 12.14
